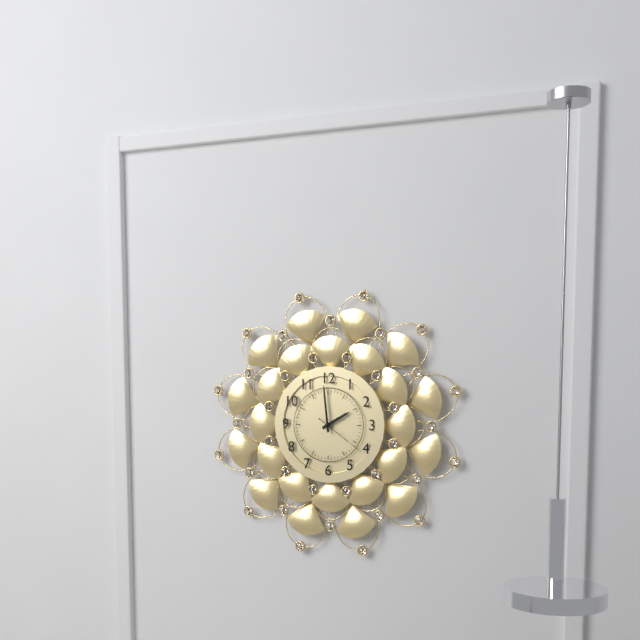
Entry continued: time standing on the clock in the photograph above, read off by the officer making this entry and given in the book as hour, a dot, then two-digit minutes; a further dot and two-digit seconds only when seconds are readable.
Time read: 1.59.21
